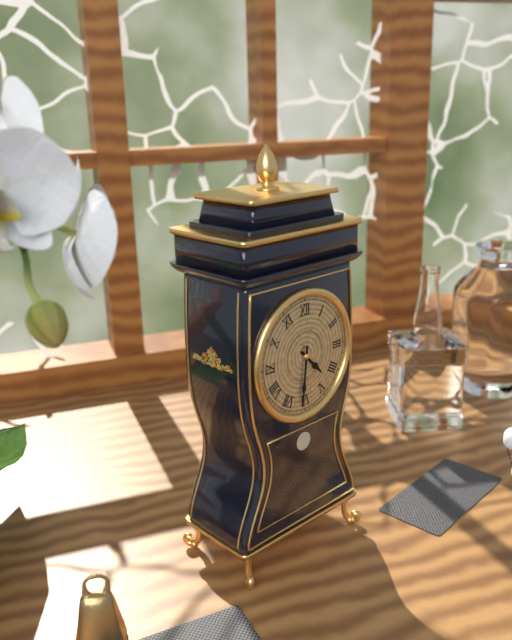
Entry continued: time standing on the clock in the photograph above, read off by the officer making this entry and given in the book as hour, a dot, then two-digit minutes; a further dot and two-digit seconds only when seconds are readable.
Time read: 4.31
